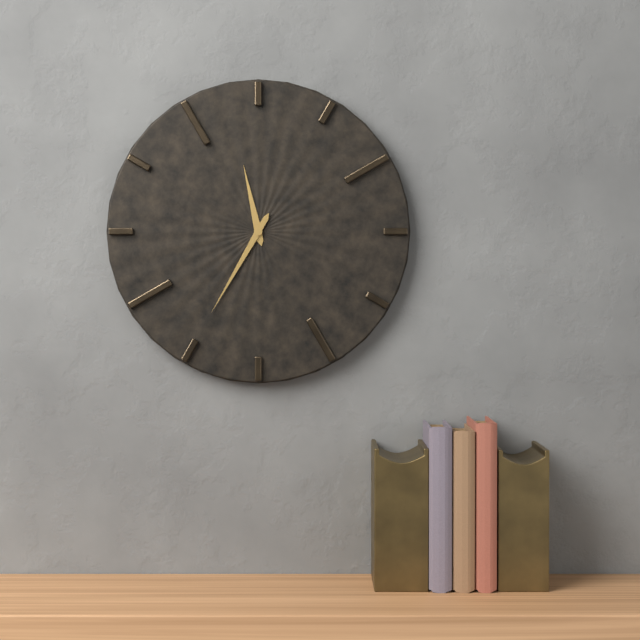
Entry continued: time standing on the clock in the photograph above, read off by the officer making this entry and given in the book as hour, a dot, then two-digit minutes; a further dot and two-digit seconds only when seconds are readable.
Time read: 11.35
